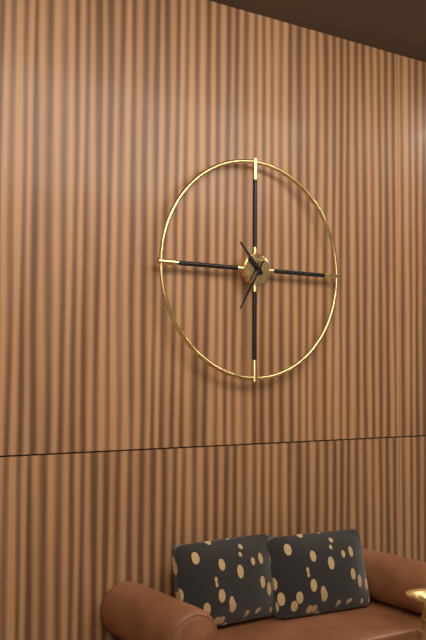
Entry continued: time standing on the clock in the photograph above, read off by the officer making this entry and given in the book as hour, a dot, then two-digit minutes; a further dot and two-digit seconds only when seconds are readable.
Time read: 10.35
